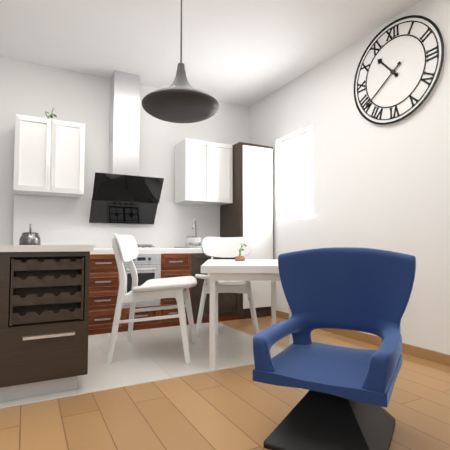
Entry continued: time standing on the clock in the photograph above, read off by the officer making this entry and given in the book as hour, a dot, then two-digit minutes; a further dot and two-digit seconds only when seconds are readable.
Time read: 10.39
